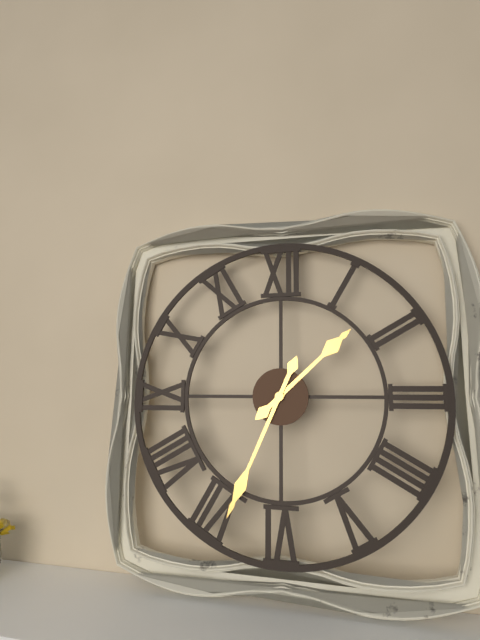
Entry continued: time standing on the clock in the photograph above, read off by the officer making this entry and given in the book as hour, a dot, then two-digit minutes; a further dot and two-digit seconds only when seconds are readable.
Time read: 1.34
